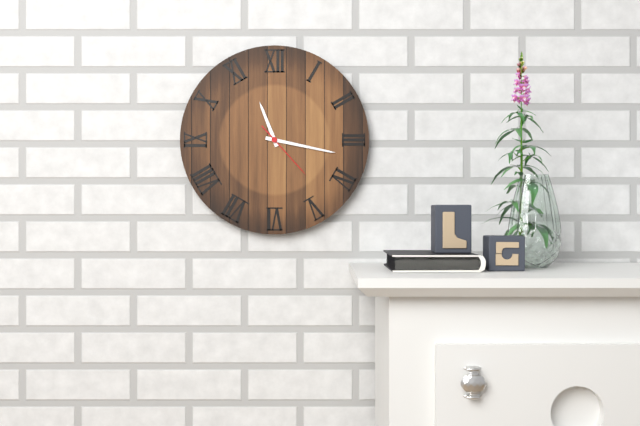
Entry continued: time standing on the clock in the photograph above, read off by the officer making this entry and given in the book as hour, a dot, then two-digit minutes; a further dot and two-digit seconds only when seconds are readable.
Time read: 11.17.23
